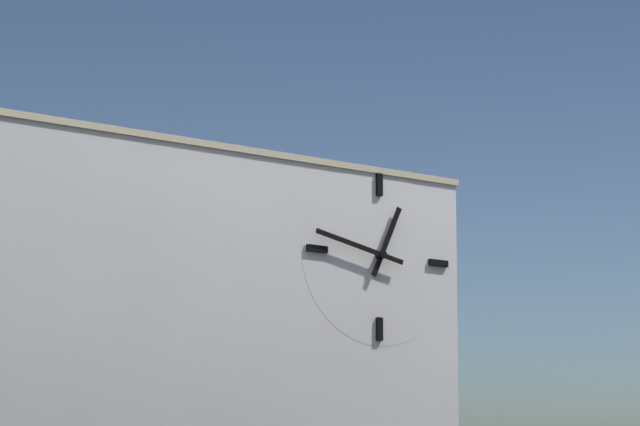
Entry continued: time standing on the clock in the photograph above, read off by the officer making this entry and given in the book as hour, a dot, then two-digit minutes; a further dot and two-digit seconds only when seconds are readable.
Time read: 12.47
